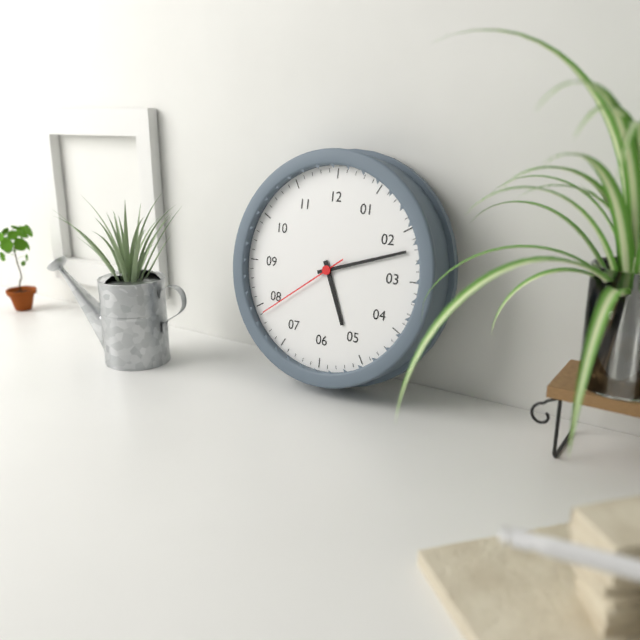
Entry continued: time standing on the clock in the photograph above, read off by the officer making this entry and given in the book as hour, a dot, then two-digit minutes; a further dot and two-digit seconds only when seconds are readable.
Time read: 5.12.39
